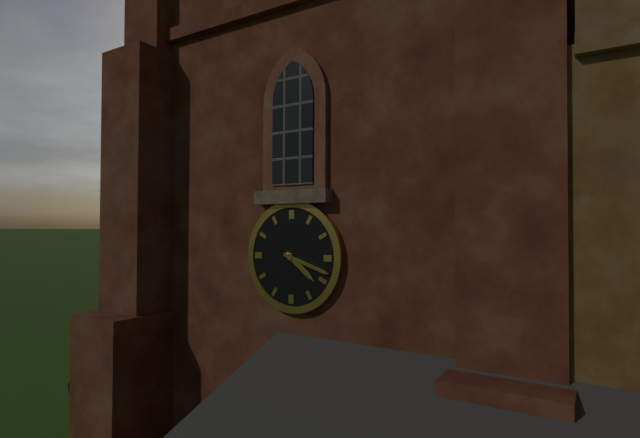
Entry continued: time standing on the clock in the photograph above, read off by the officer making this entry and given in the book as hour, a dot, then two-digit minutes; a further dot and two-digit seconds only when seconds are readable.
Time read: 4.18
